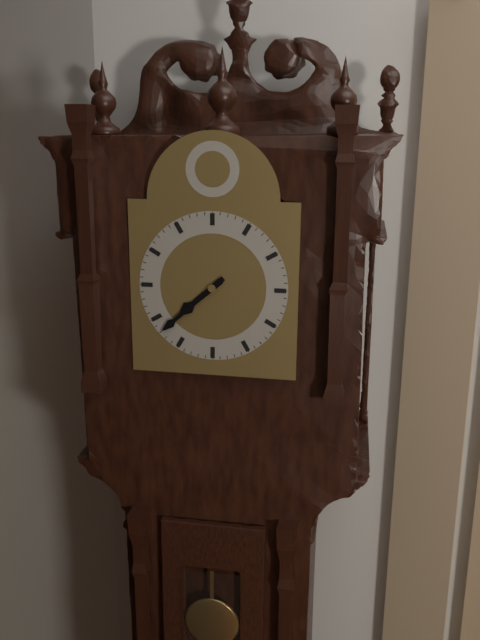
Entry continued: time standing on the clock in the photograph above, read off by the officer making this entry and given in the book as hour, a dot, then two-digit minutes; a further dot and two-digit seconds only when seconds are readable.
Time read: 7.38
